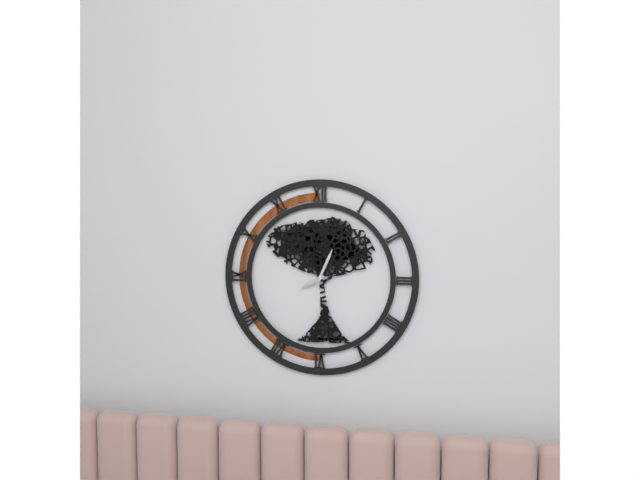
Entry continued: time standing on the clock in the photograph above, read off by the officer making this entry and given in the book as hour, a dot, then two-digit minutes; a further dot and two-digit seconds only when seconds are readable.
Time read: 8.04
